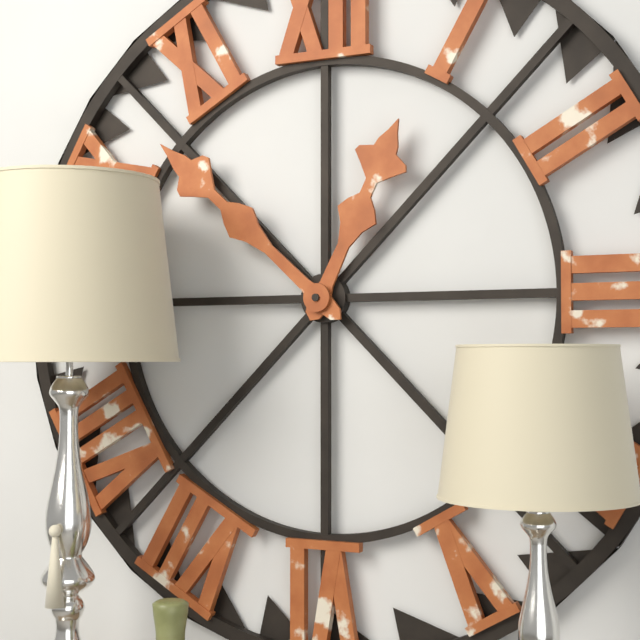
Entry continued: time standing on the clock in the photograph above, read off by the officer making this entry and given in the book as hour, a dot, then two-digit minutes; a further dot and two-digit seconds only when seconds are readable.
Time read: 12.52
